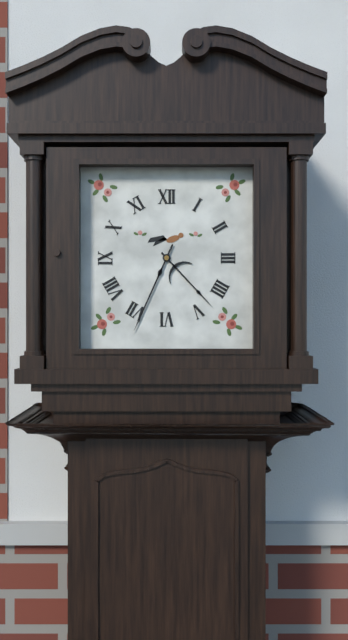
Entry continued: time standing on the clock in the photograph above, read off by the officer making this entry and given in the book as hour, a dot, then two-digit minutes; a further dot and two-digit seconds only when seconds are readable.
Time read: 4.34
